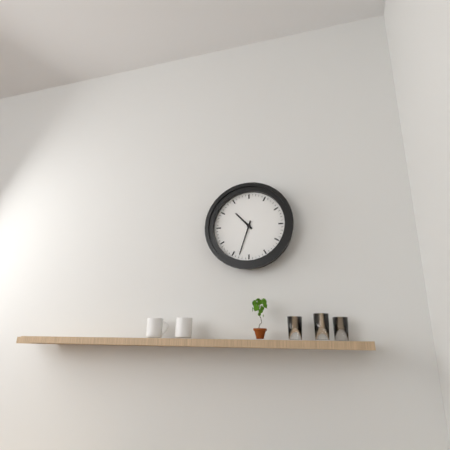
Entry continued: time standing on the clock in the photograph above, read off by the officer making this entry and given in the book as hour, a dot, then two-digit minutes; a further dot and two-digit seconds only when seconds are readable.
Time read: 10.33
